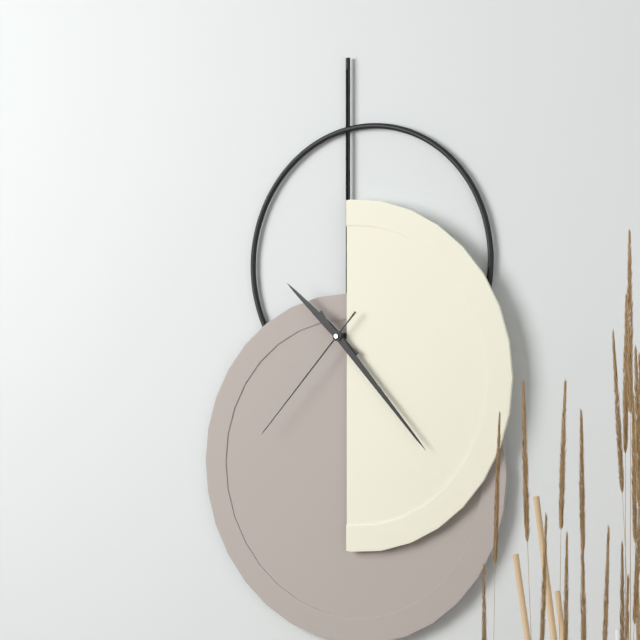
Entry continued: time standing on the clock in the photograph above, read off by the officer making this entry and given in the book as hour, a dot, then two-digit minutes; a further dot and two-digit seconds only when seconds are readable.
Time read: 10.23.37
